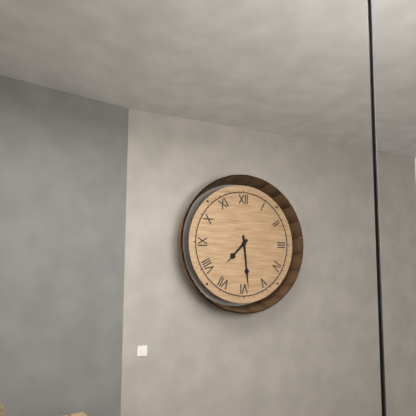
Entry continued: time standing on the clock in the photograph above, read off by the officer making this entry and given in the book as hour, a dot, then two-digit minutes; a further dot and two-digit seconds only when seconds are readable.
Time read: 7.29
